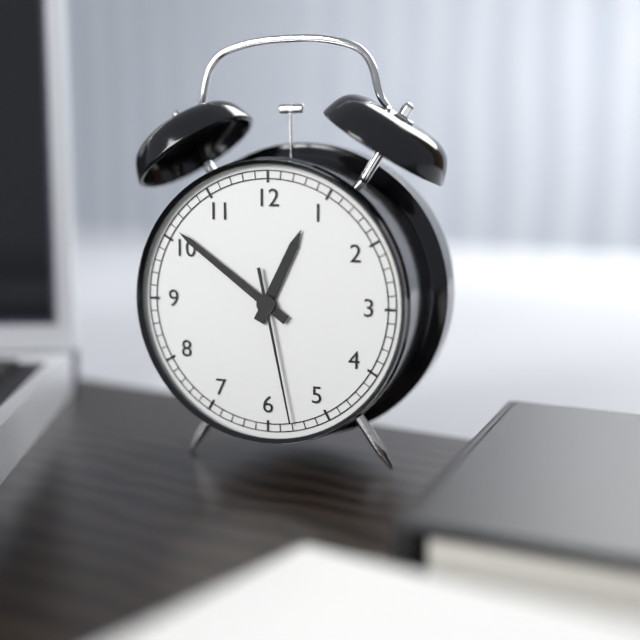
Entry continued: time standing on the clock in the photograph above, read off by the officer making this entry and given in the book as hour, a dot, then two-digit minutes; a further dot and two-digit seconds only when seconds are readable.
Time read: 12.51.28
